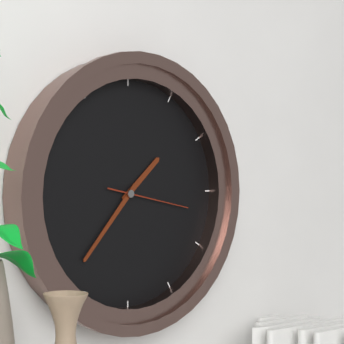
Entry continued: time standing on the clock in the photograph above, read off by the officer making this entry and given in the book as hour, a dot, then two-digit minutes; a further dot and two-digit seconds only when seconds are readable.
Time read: 1.37.17
